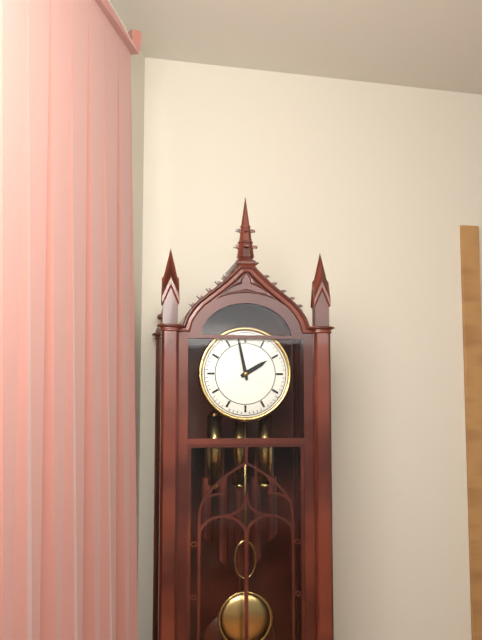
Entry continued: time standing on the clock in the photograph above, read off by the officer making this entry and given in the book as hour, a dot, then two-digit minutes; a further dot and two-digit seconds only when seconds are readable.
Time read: 1.58
